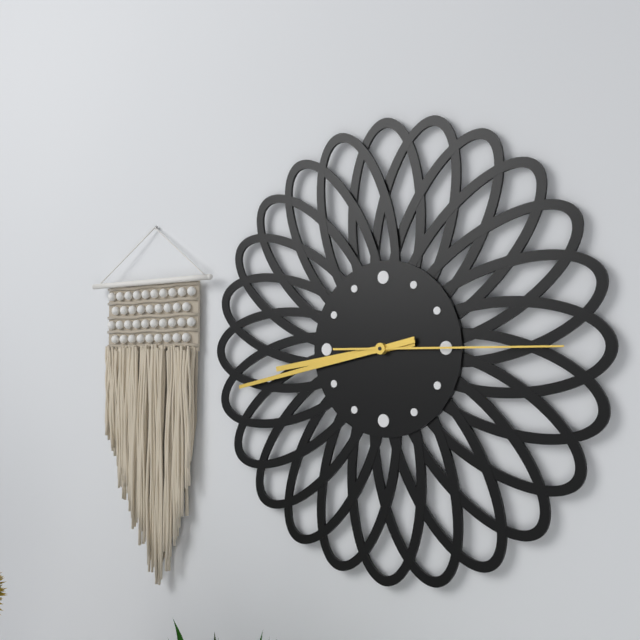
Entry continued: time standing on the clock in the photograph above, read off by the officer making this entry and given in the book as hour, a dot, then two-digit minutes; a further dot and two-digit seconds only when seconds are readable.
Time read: 8.43.15
